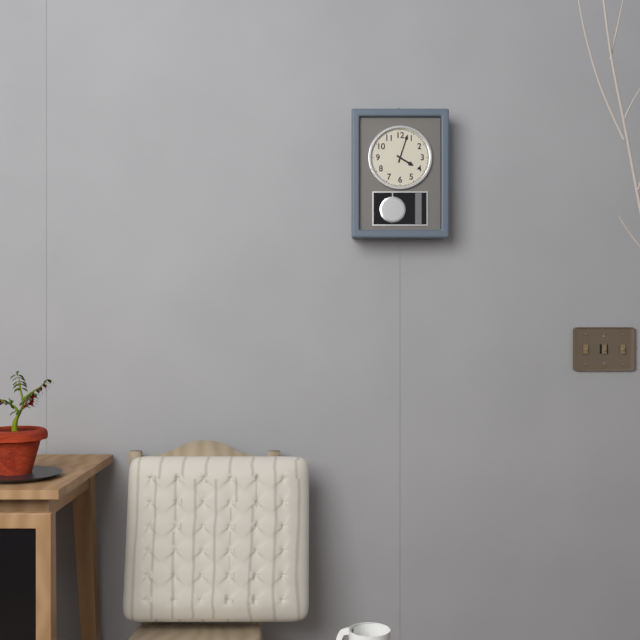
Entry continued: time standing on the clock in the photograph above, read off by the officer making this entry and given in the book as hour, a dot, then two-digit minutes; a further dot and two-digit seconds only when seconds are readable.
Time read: 4.03
